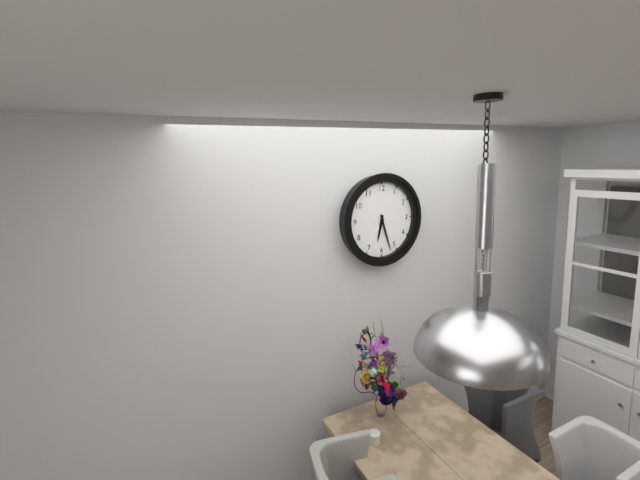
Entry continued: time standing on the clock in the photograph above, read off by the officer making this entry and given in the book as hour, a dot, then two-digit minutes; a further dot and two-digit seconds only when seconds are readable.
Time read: 6.27
